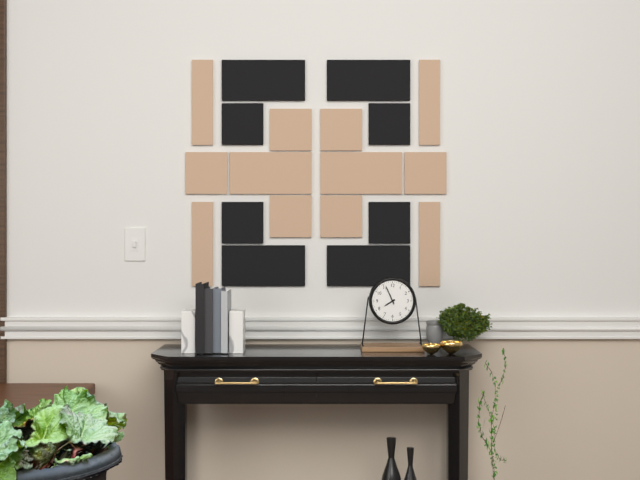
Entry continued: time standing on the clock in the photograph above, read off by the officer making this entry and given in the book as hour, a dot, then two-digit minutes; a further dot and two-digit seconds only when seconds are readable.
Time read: 7.56
